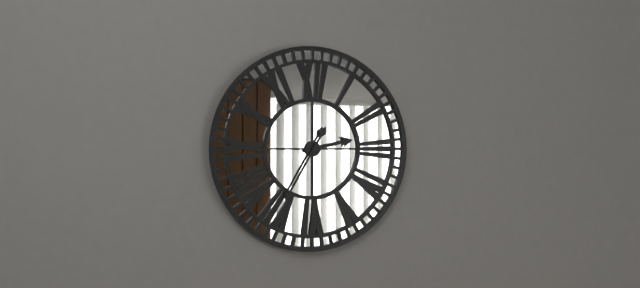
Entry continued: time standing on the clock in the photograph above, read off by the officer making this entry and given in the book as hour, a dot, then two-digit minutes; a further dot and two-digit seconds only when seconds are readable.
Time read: 2.35
